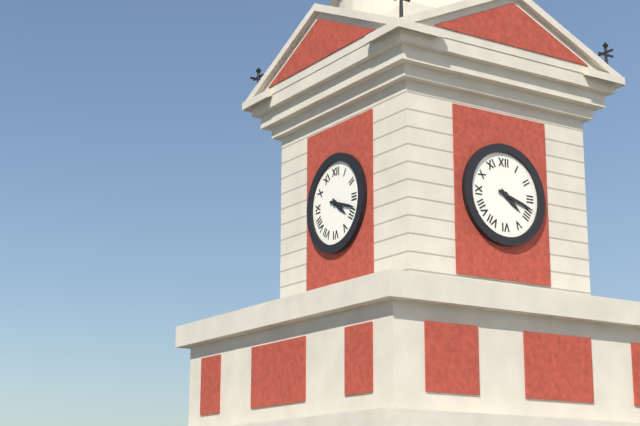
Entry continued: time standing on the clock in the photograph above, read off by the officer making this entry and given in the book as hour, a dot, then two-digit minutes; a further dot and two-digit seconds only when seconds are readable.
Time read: 4.18
